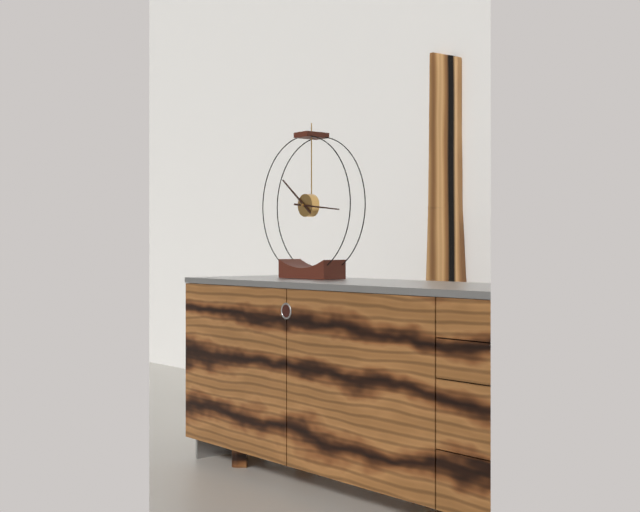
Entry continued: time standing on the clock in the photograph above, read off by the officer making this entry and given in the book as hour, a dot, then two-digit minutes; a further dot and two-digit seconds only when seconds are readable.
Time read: 10.16
